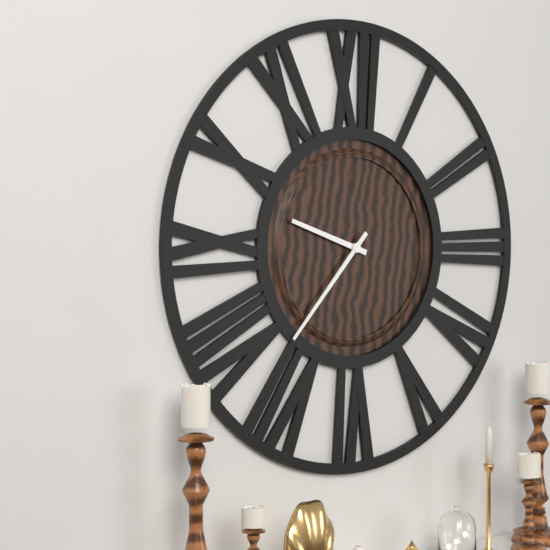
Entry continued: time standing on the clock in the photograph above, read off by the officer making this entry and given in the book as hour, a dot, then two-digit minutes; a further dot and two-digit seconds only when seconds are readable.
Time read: 9.37
